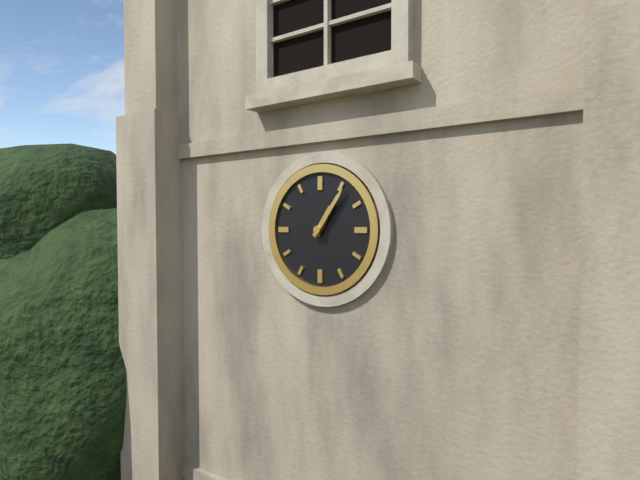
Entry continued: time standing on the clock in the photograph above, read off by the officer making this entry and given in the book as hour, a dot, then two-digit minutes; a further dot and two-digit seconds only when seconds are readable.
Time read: 1.06
